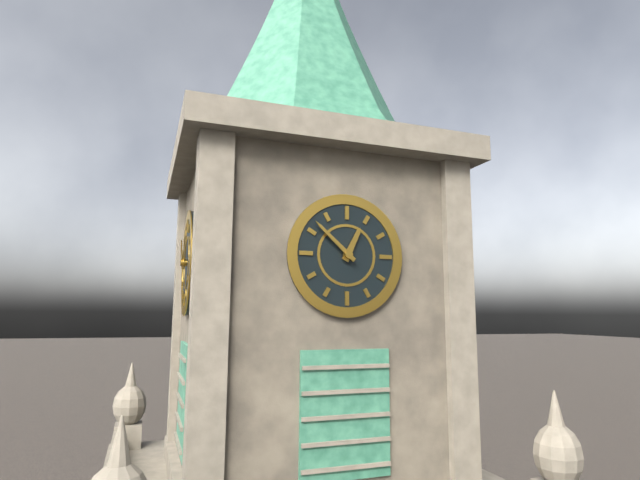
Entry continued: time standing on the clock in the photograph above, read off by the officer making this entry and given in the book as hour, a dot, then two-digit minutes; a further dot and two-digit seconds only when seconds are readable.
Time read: 12.52
